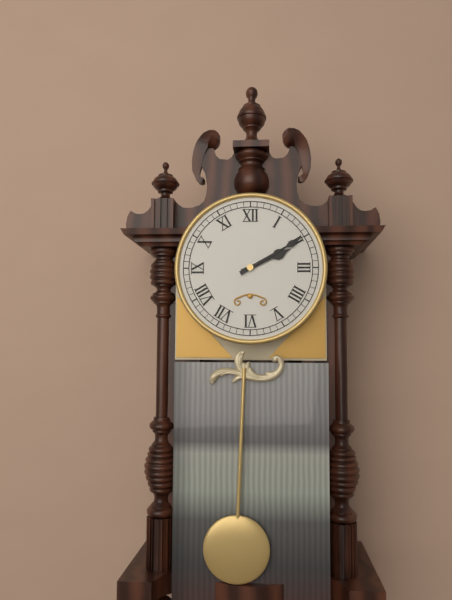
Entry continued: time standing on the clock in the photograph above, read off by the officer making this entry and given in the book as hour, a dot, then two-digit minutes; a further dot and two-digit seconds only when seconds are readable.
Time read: 2.10
